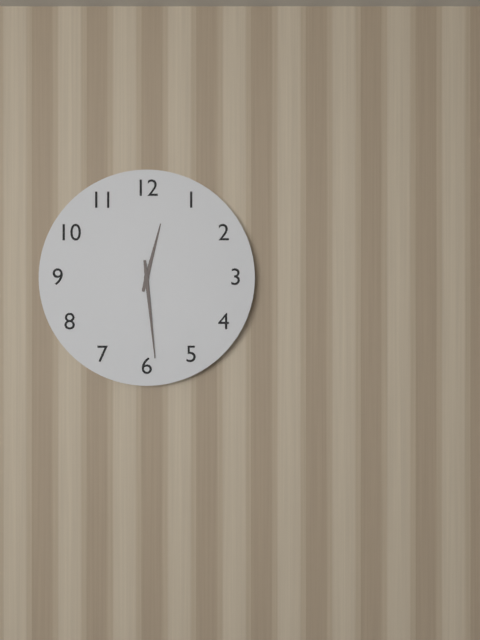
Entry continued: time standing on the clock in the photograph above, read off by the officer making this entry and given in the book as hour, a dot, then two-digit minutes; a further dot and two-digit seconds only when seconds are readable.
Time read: 12.29
